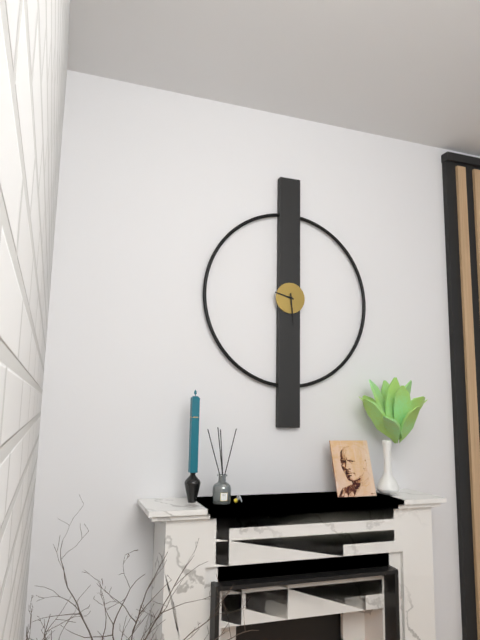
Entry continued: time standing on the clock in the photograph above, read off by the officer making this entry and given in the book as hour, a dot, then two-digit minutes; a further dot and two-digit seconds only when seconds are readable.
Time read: 9.29
